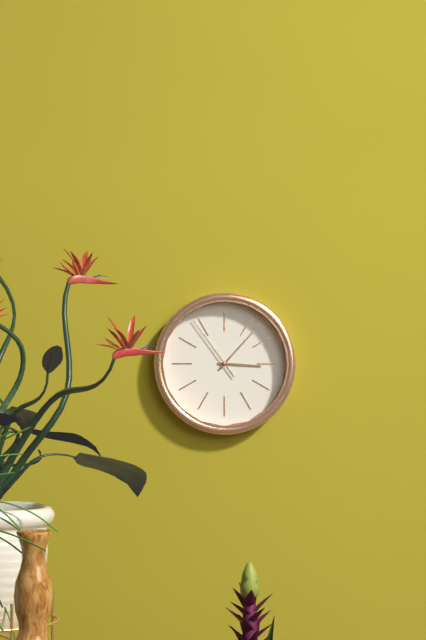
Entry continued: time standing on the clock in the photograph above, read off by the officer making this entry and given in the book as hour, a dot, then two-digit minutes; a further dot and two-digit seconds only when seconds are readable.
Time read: 3.07.54
